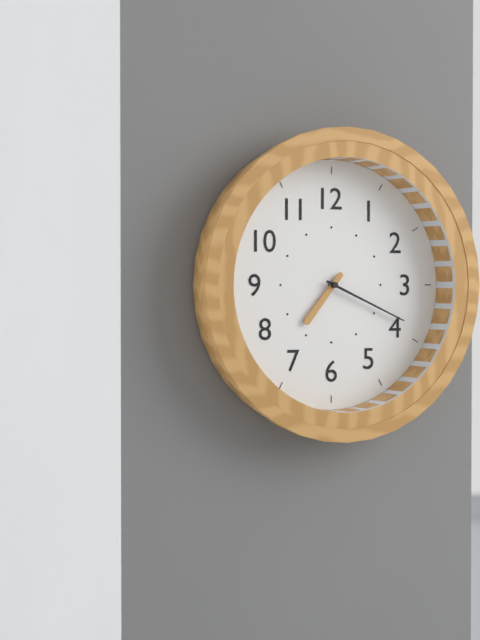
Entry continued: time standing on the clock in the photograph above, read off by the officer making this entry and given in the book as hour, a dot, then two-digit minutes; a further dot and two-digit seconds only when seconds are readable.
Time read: 7.19
